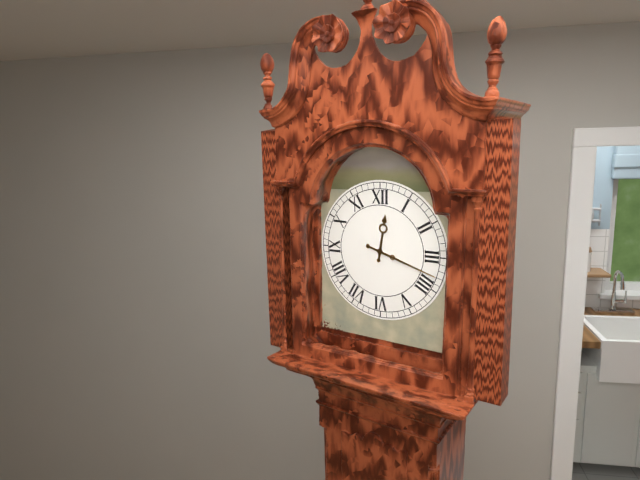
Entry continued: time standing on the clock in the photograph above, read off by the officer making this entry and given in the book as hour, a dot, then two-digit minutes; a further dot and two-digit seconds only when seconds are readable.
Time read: 12.18
